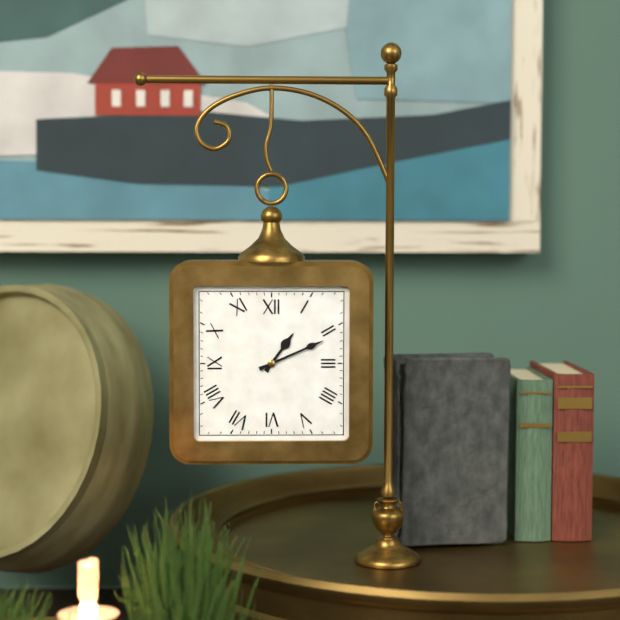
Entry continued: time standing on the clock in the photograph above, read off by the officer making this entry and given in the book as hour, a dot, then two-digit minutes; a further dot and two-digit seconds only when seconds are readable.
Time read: 1.11
